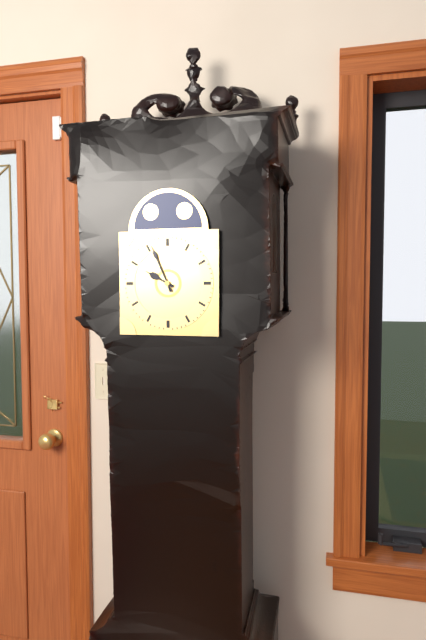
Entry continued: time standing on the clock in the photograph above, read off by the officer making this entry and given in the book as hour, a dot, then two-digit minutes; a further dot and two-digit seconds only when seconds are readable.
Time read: 9.56
